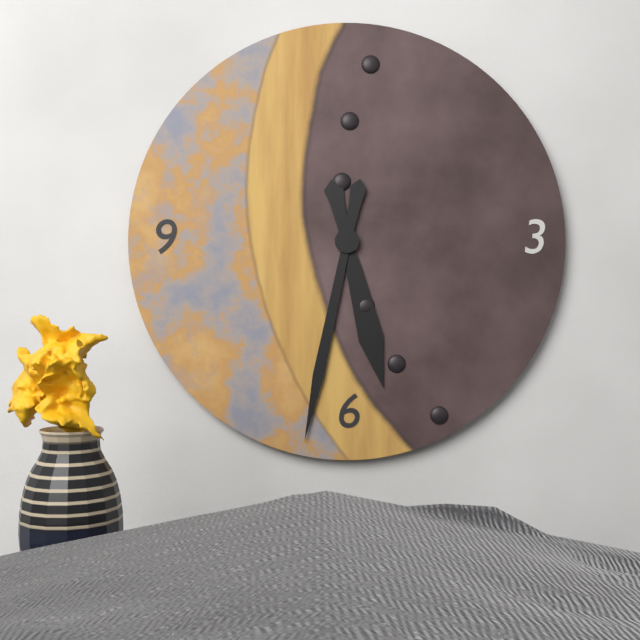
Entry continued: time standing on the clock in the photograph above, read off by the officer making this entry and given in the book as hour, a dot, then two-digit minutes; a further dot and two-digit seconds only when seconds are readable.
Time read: 5.32
